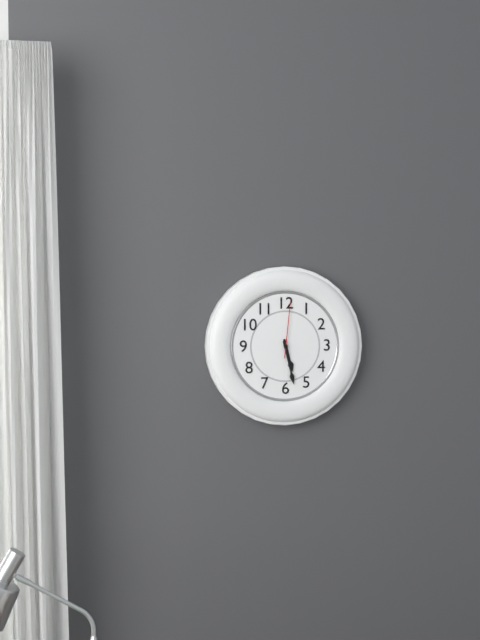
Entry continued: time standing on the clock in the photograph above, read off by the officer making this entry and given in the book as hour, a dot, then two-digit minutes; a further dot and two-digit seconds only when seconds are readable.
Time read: 5.28.01
